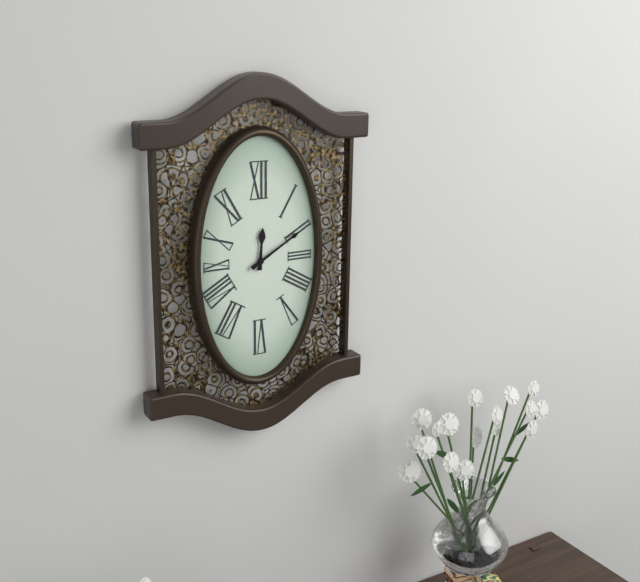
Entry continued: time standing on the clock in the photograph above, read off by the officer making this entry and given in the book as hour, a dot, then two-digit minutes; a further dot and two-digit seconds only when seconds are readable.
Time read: 12.10
